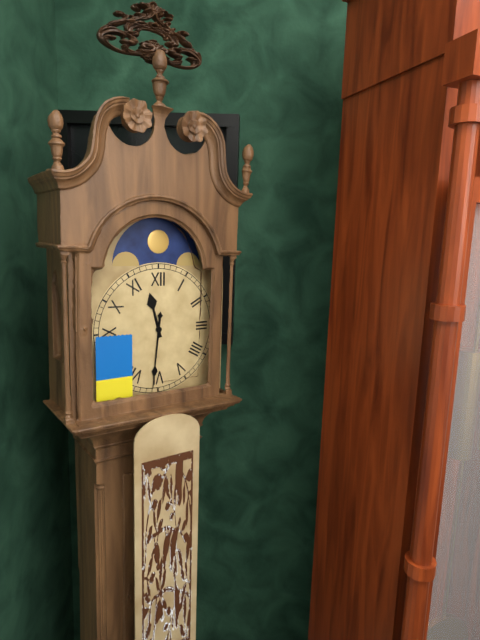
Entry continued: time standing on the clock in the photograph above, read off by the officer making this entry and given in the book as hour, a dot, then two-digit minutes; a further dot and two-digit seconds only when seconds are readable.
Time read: 11.31
